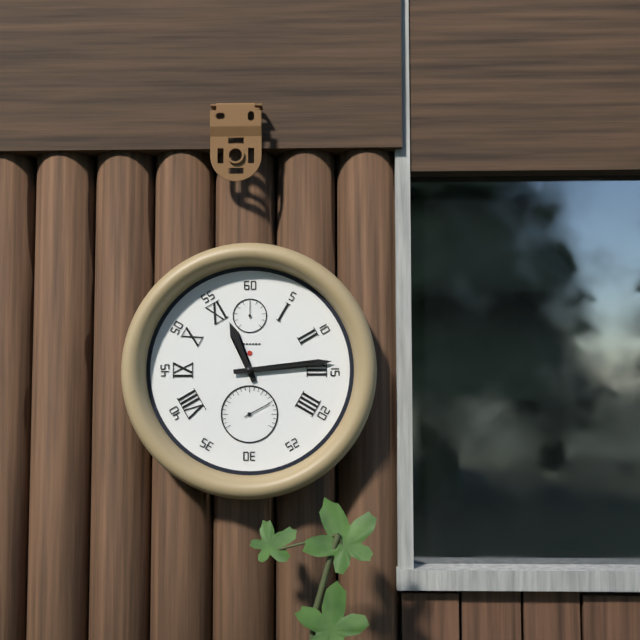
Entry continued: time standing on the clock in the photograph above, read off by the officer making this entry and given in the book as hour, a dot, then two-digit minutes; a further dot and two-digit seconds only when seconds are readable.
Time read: 11.14
